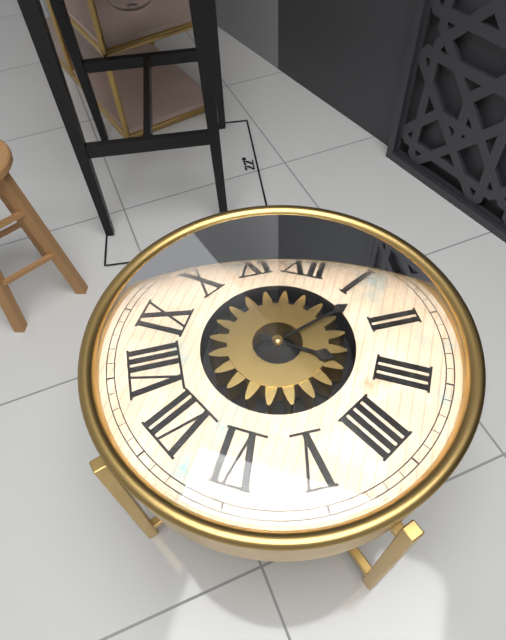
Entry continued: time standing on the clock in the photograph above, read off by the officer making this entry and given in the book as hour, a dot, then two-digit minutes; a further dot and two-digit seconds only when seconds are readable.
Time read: 3.07
